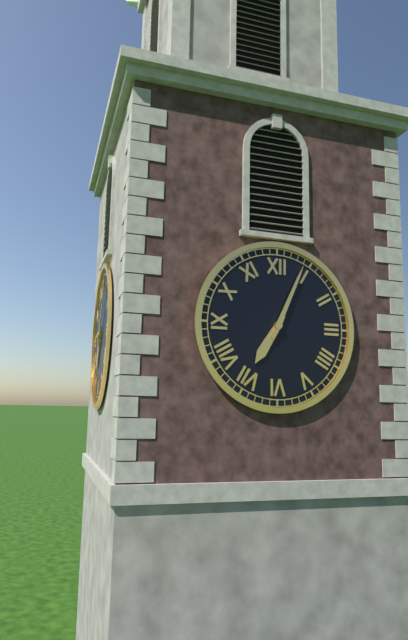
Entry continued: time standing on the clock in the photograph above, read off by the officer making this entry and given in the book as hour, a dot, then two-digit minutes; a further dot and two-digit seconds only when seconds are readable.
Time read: 7.04
